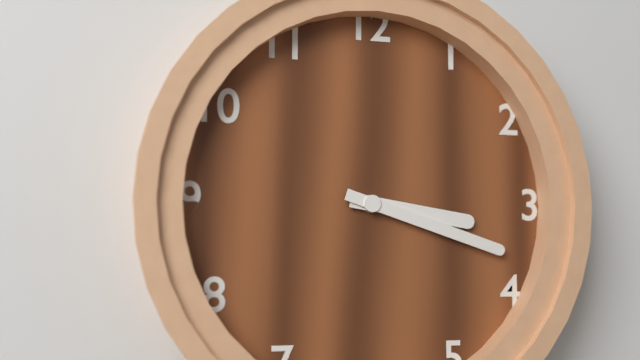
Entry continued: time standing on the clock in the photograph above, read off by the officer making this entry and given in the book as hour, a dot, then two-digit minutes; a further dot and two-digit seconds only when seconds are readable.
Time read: 3.18
